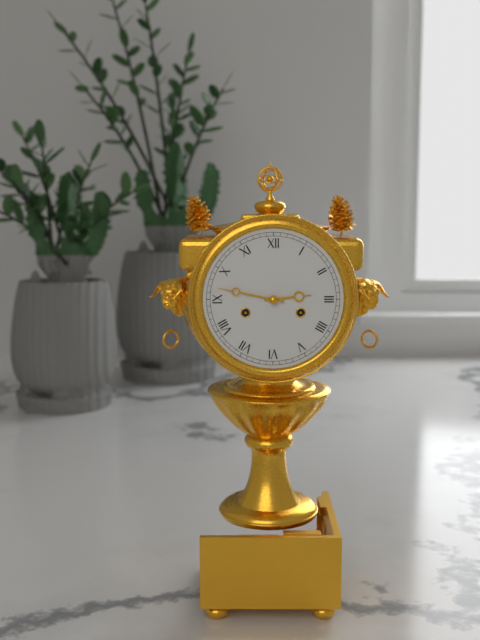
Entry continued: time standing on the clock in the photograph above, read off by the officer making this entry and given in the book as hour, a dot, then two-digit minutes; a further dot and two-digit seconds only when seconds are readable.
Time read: 2.47
